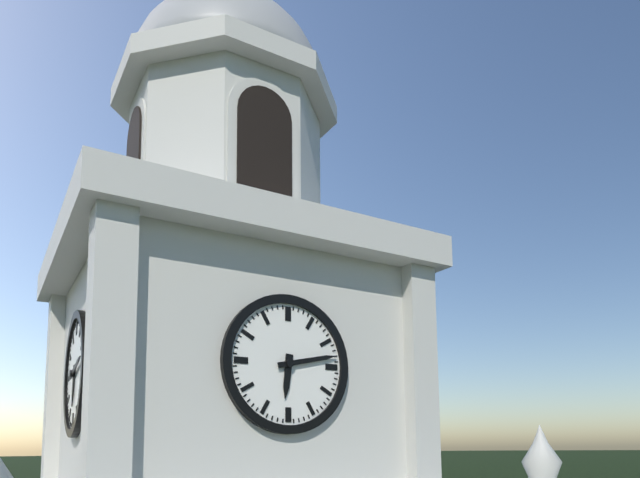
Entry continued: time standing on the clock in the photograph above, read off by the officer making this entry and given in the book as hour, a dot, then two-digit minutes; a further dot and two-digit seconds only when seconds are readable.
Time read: 6.13
